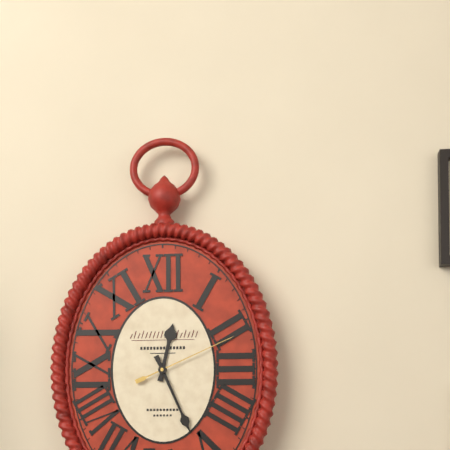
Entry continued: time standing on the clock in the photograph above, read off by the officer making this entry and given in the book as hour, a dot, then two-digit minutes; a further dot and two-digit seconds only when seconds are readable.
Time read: 12.26.11
